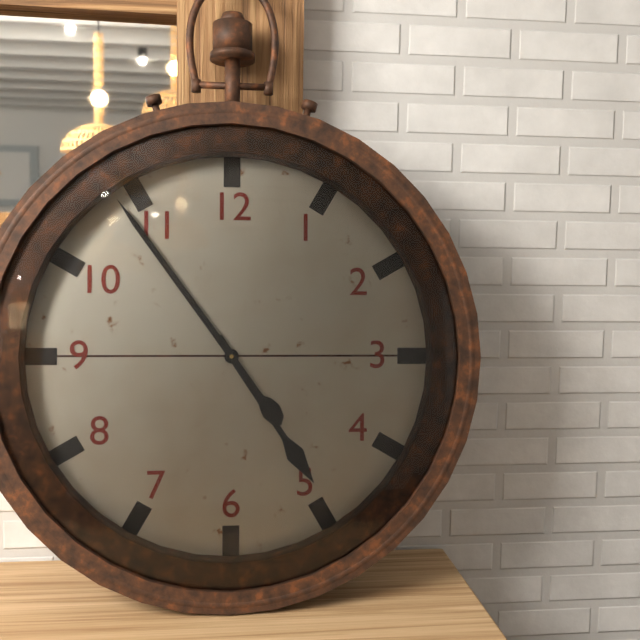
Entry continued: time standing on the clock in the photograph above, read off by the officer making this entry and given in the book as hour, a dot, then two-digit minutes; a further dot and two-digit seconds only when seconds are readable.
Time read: 4.54
